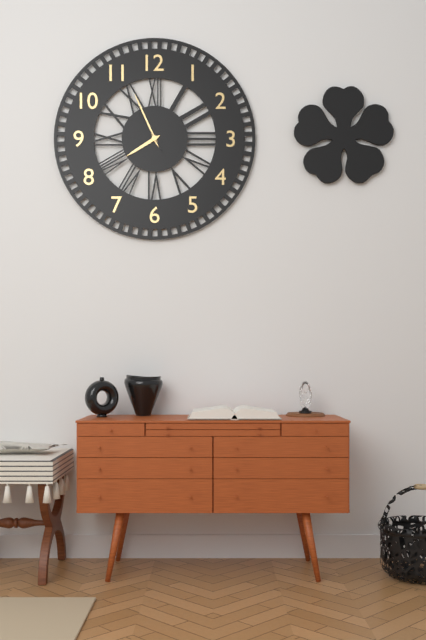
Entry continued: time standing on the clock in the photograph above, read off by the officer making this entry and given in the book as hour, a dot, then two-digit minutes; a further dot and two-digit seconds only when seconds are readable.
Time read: 7.56.55
